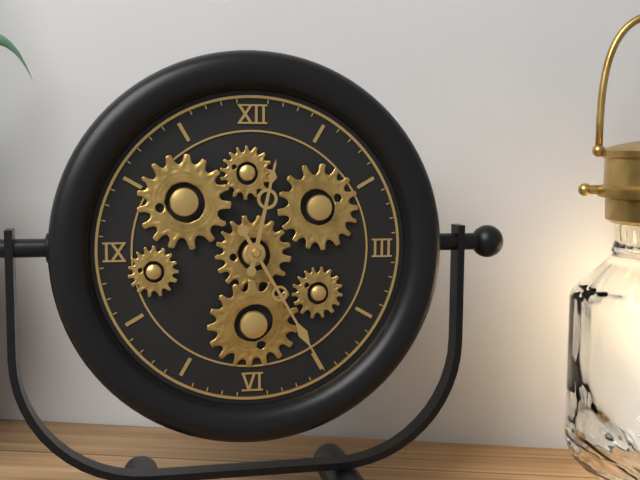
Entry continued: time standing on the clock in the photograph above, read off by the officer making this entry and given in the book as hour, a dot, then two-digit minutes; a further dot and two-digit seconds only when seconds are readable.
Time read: 12.25
